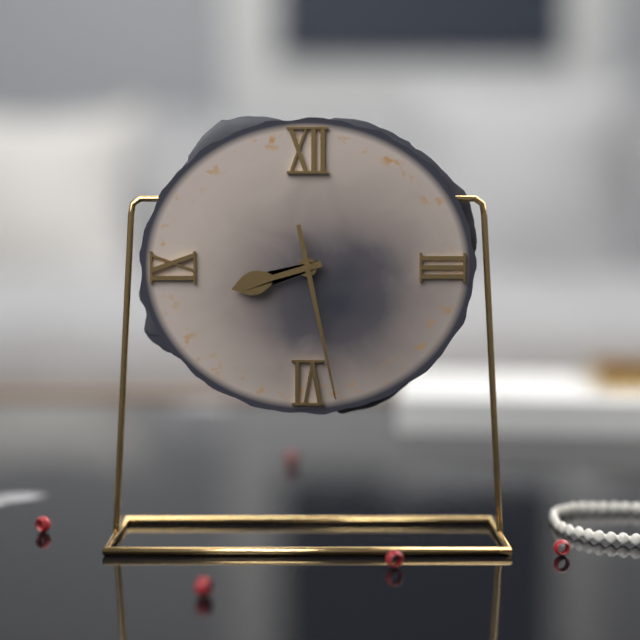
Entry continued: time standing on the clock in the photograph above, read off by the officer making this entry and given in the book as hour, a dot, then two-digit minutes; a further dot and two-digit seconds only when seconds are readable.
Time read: 8.28
